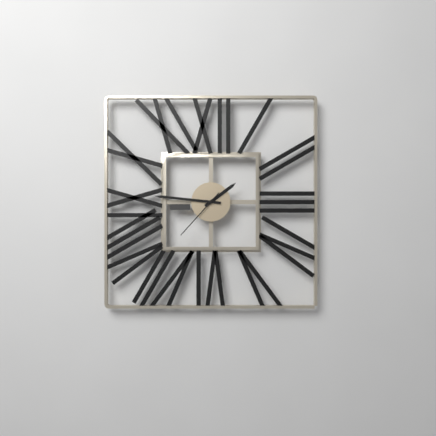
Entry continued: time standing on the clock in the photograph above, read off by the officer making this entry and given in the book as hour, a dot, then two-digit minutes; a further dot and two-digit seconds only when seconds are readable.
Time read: 1.46.37
